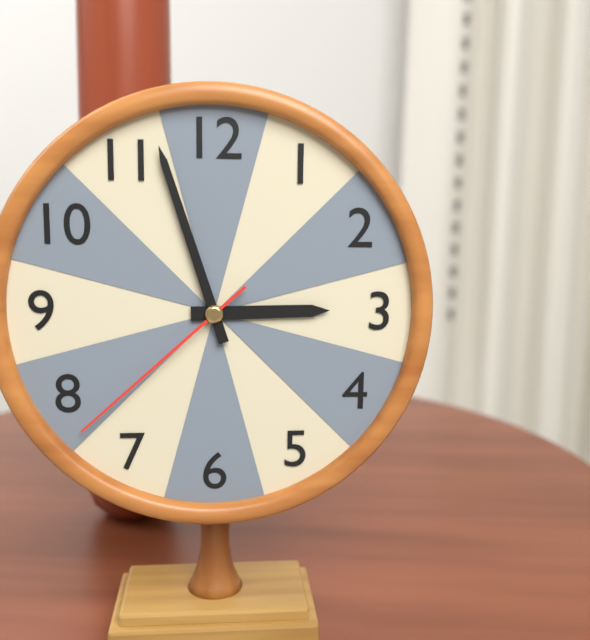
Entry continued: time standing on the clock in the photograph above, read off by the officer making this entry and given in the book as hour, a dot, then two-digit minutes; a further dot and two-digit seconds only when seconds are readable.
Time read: 2.57.38
